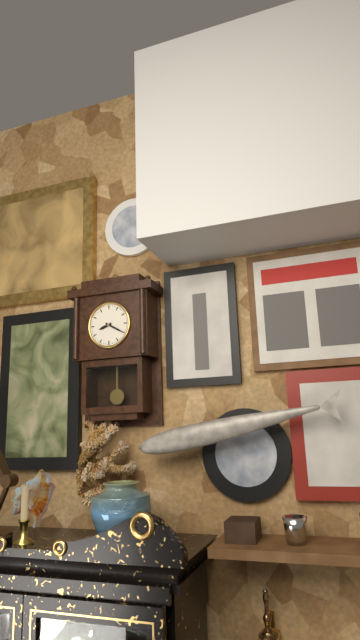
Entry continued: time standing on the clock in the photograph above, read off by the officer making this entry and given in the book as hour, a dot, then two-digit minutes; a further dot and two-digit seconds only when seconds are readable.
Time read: 8.20
